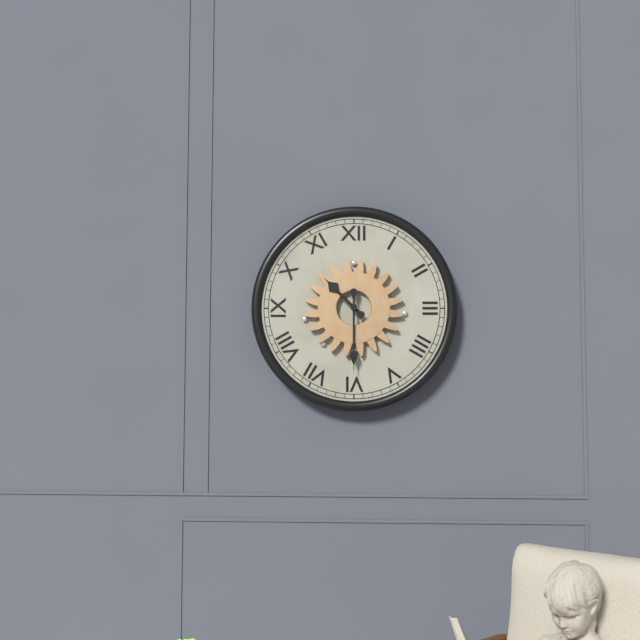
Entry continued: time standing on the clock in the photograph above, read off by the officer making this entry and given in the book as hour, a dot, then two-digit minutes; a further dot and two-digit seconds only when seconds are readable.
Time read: 10.30
